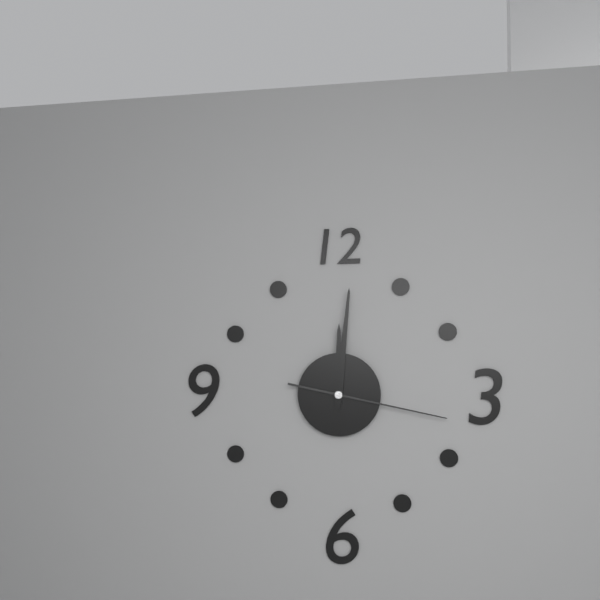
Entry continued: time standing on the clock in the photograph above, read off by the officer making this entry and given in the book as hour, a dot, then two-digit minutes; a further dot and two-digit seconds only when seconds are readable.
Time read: 12.01.17
